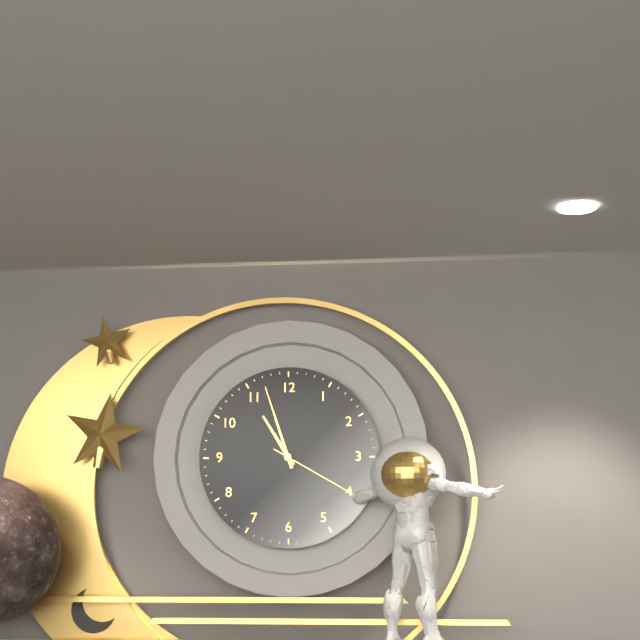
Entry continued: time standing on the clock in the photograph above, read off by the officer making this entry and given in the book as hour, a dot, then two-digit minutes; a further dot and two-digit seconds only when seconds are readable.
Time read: 10.57.20
